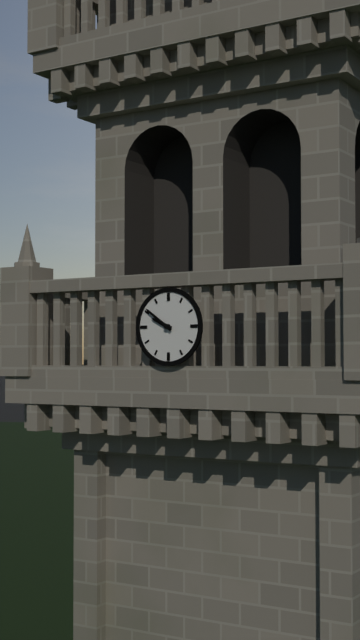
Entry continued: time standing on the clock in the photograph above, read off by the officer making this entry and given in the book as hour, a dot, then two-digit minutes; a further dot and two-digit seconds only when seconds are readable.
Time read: 9.51
